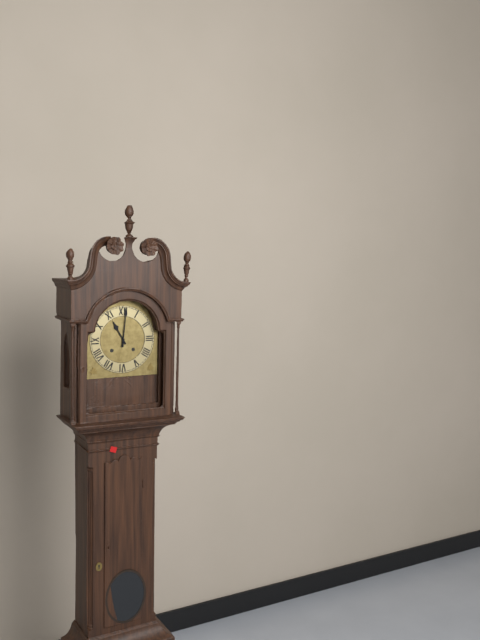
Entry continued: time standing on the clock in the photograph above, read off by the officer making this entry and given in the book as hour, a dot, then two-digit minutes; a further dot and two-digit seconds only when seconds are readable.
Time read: 11.01
